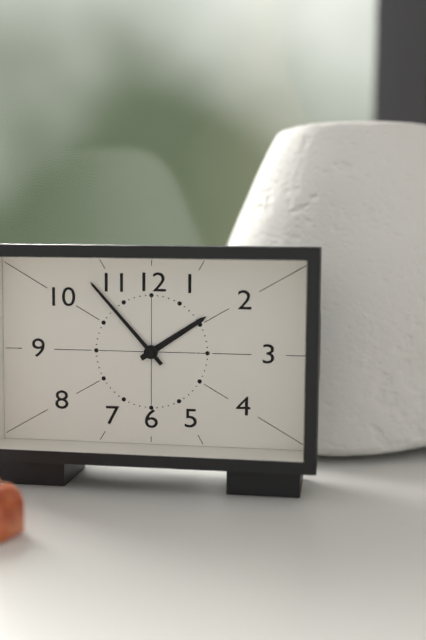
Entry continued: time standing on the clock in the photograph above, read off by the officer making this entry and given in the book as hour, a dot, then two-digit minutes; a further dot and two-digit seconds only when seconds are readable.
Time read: 1.53
